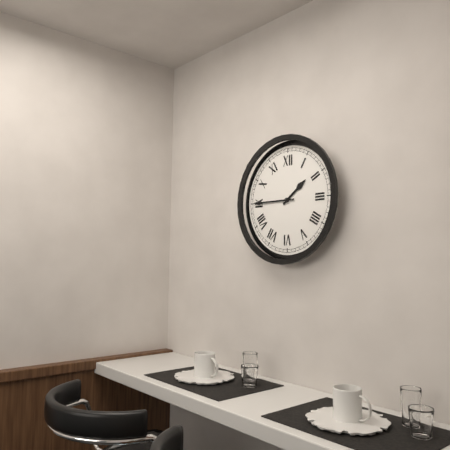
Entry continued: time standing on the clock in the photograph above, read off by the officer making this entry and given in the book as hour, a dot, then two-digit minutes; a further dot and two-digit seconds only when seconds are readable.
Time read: 1.45
